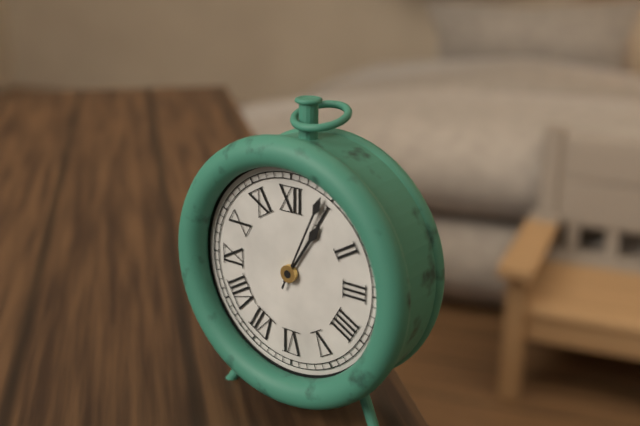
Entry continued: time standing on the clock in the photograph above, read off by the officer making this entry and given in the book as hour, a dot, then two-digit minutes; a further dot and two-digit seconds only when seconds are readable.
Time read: 1.04
